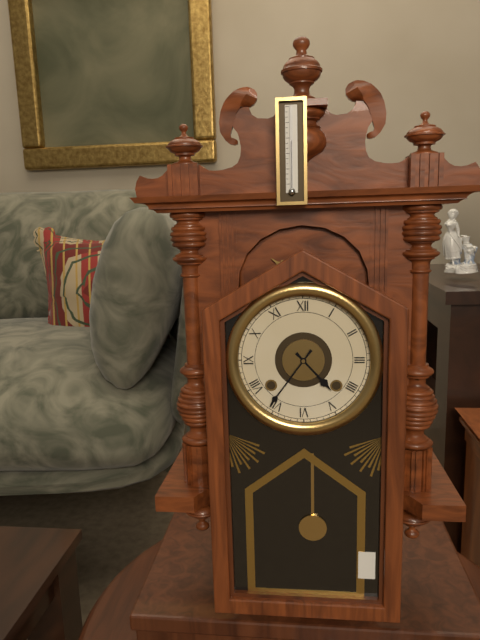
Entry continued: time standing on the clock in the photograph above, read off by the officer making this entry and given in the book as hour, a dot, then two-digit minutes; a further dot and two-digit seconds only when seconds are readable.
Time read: 4.36
